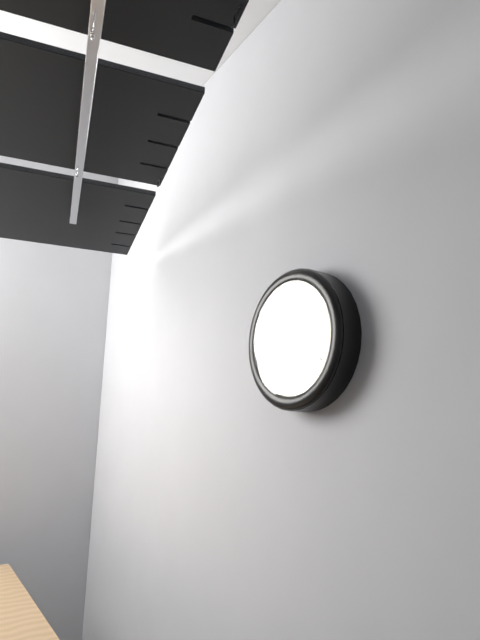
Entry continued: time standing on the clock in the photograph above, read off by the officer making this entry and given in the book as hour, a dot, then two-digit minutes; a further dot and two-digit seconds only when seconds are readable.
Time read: 9.20
